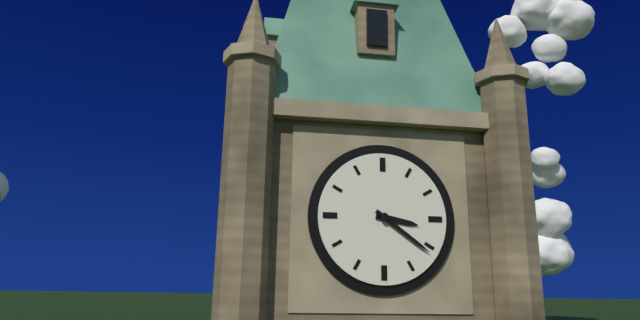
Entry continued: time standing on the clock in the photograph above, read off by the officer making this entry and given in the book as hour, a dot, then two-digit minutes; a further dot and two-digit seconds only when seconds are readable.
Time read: 3.21
